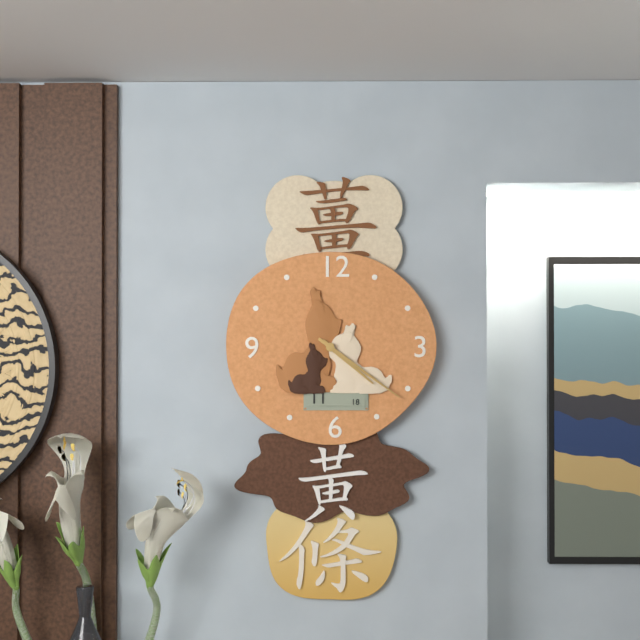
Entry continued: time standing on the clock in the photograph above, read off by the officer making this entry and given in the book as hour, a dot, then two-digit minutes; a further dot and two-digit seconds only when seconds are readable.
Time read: 4.21
